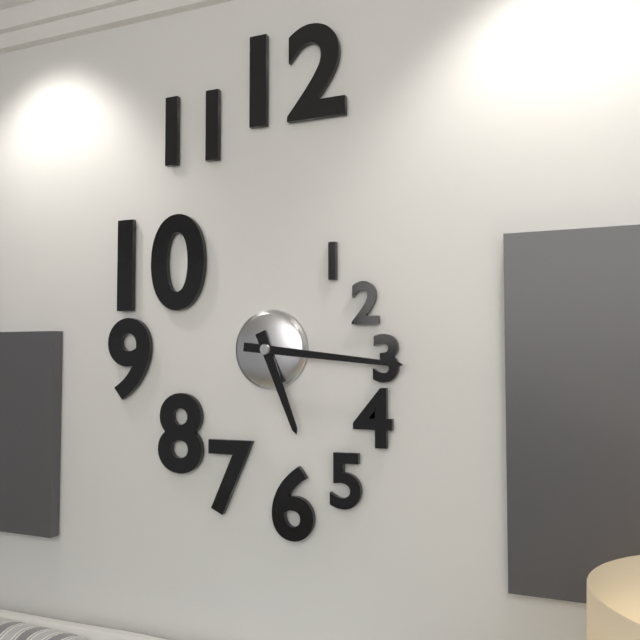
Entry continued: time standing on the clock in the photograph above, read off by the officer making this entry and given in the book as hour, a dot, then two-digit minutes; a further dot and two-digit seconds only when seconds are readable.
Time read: 5.16
